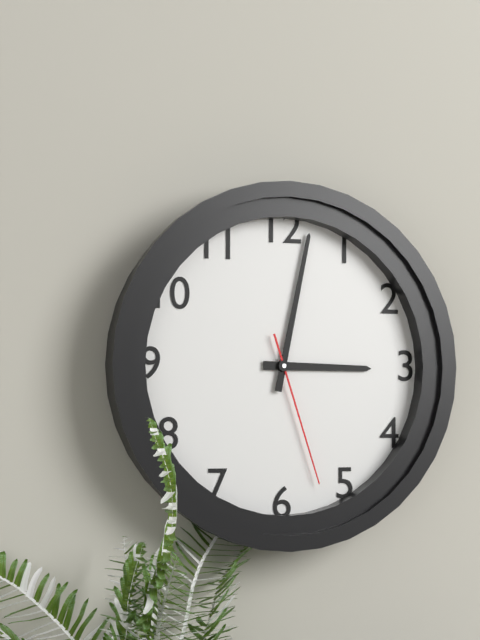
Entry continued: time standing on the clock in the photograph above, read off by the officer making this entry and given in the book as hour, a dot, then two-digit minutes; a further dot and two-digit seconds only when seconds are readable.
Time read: 3.02.27
